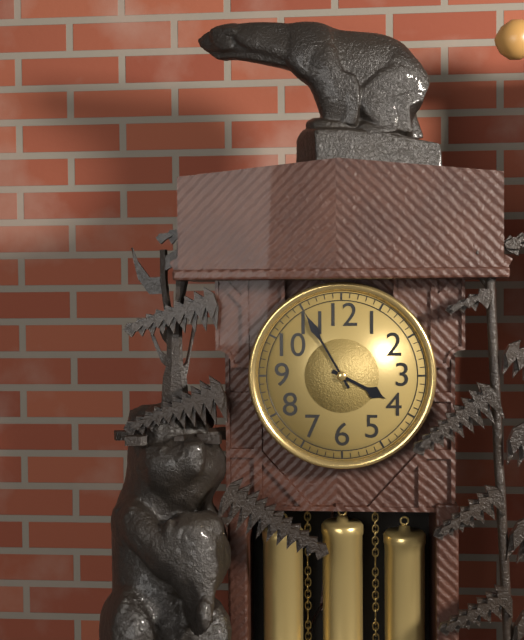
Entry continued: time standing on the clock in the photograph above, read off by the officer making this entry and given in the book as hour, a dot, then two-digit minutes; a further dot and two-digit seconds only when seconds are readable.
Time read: 3.55
